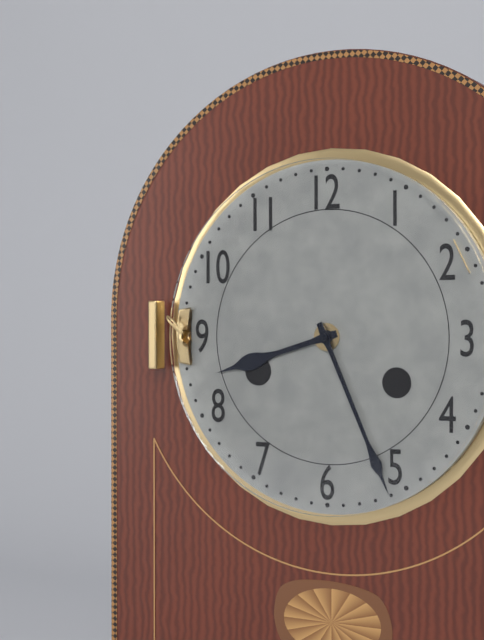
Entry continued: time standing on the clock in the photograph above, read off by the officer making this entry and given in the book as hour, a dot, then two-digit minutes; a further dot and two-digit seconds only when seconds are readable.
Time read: 8.26
